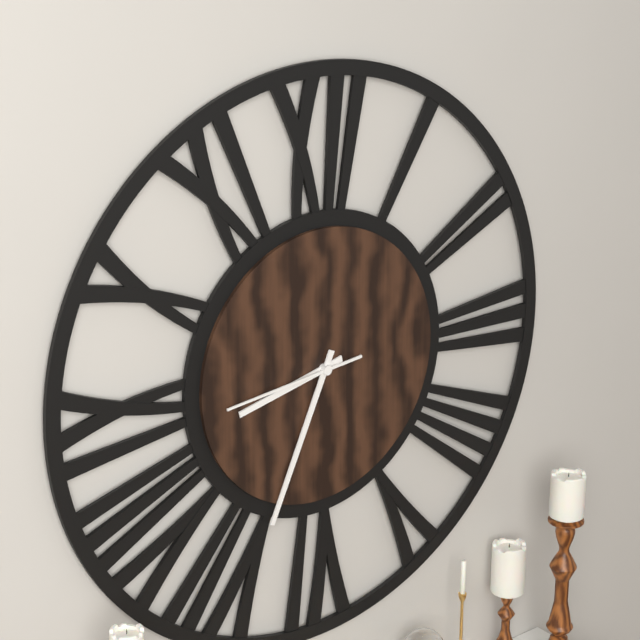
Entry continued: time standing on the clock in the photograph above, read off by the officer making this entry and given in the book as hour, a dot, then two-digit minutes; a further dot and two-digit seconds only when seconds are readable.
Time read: 8.34.44
